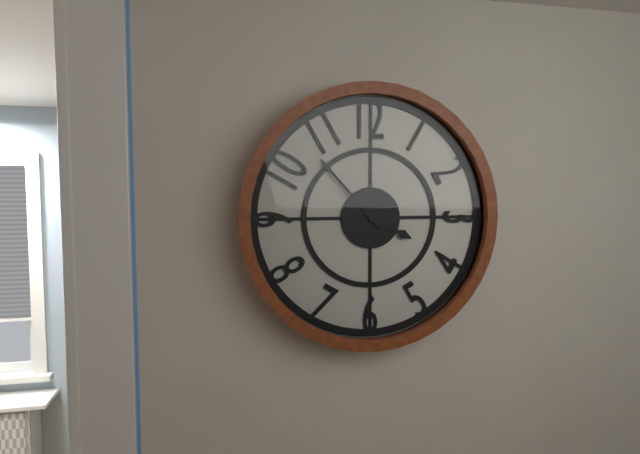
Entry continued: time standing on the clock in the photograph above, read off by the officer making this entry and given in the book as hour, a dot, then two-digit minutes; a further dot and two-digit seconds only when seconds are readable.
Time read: 3.53
